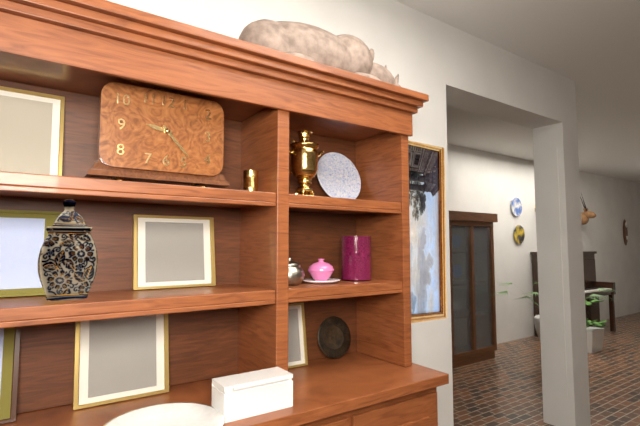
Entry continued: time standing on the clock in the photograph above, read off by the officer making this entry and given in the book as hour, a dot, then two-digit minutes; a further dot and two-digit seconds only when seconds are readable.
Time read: 9.23
